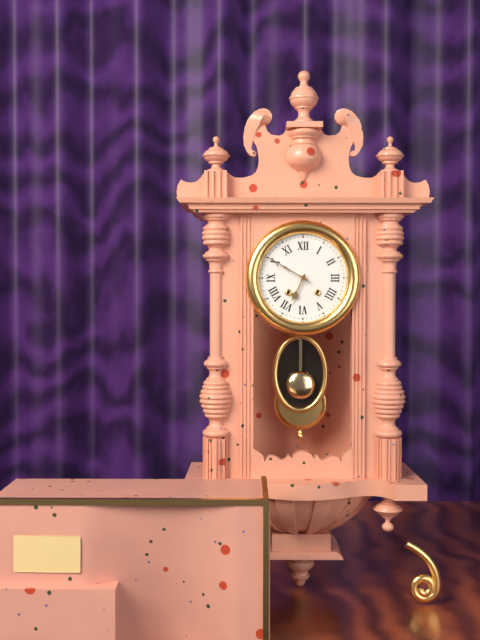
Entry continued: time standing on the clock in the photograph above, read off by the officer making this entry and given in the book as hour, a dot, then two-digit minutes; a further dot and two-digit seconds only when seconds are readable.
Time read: 6.50
